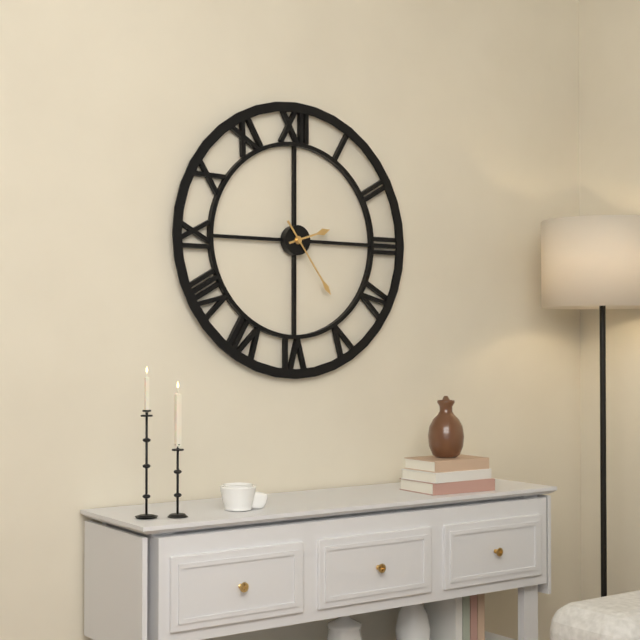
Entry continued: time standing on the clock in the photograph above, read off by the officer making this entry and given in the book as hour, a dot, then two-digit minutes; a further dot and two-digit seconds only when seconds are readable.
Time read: 2.24
